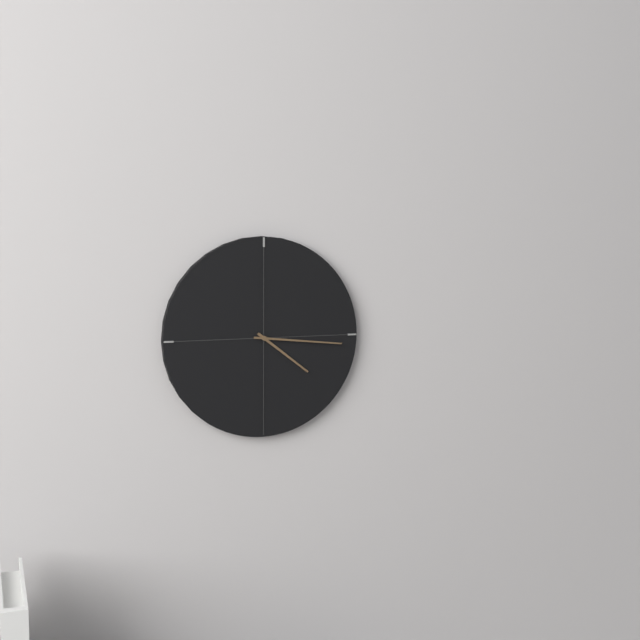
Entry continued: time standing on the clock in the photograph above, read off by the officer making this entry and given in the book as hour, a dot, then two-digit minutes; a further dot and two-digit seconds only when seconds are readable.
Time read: 4.16
